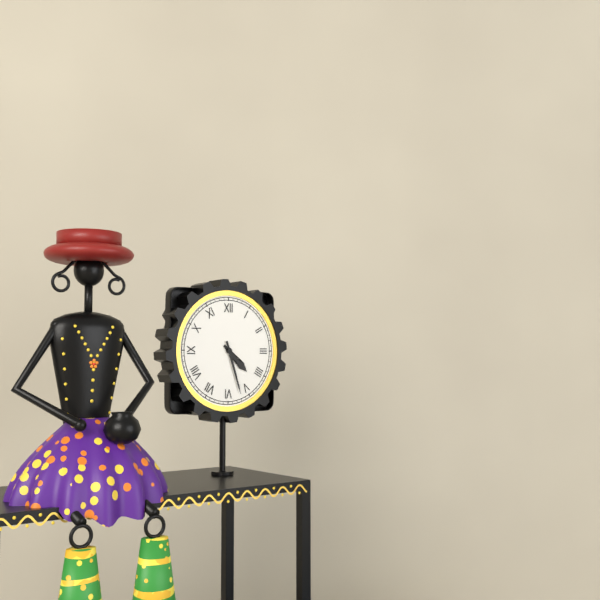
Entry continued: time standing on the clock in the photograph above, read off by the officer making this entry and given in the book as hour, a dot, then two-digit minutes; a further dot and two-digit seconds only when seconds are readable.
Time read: 4.27
